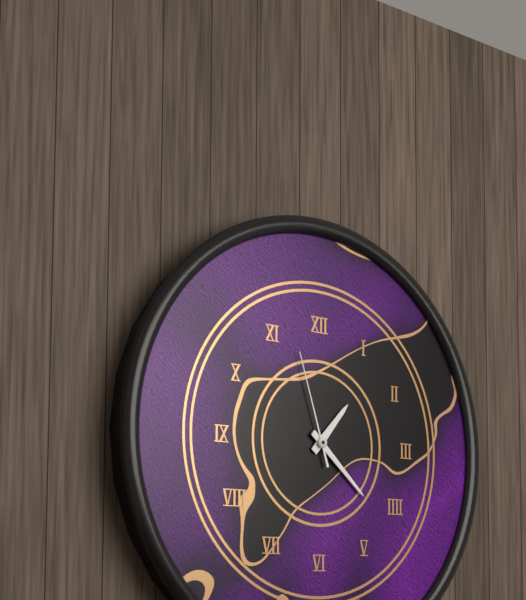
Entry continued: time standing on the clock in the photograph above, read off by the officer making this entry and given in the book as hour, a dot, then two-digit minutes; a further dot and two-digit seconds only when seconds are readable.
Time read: 1.22.57
